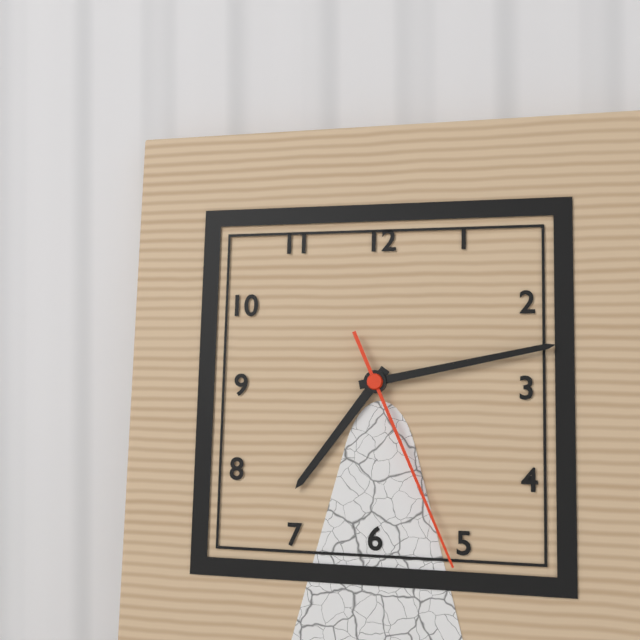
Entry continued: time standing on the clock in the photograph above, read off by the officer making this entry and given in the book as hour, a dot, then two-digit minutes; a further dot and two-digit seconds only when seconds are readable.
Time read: 7.13.26
